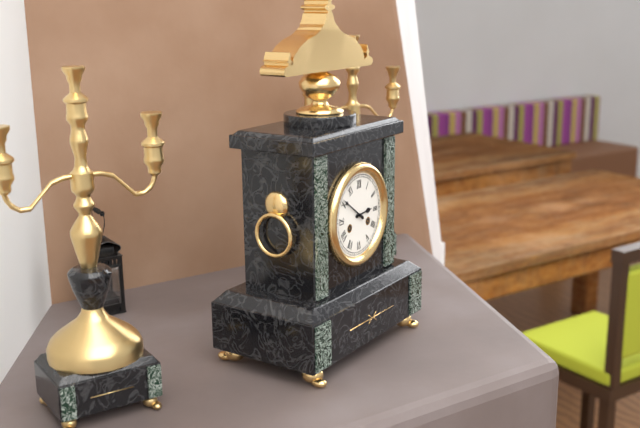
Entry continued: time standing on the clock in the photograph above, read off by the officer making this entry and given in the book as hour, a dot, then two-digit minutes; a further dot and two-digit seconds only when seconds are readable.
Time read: 2.51
